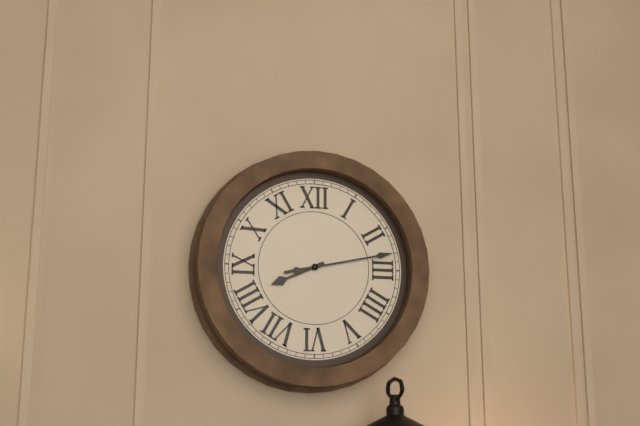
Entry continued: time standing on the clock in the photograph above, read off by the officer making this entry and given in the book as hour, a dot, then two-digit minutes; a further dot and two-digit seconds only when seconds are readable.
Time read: 8.13
